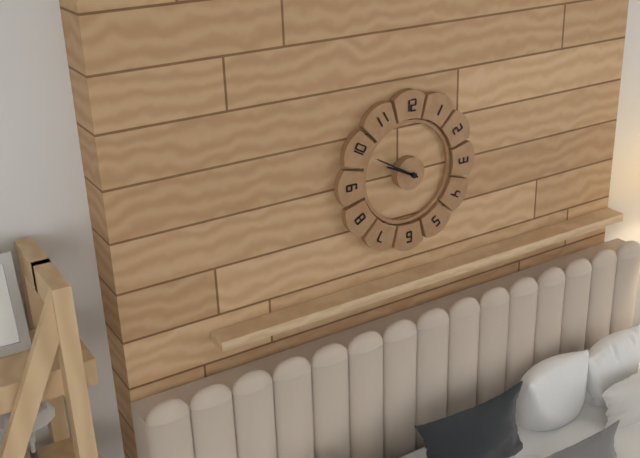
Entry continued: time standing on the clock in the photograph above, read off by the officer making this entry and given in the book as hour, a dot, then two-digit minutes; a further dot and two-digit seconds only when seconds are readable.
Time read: 9.50
